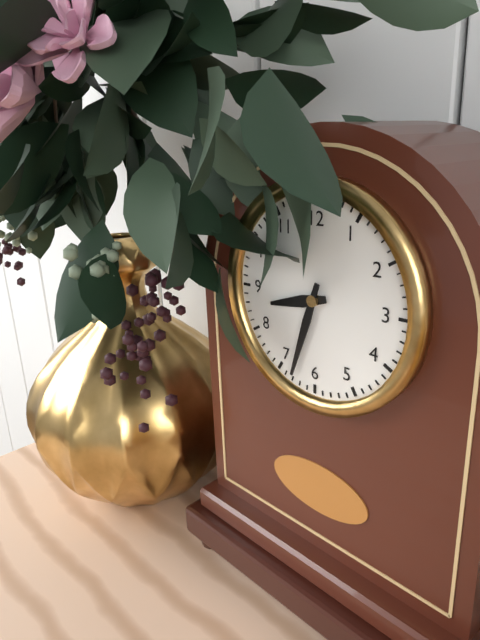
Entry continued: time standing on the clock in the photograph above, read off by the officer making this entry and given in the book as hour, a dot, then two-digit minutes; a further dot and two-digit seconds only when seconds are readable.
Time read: 8.33
